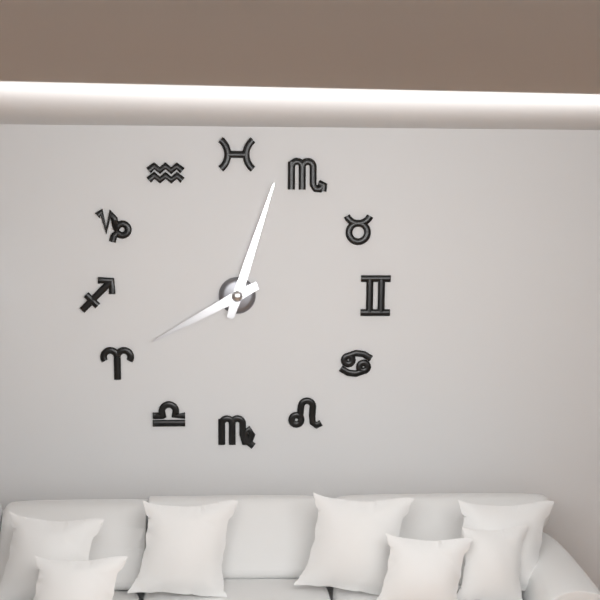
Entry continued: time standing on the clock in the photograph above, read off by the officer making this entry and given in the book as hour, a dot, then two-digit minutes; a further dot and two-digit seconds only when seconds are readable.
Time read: 8.03
